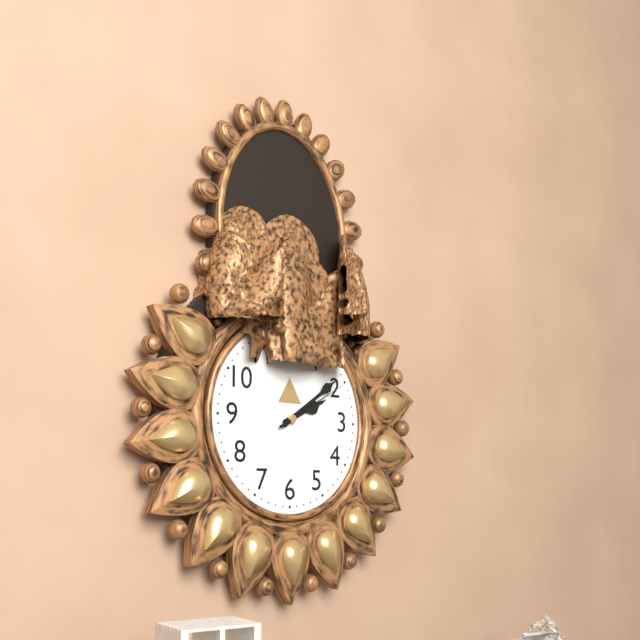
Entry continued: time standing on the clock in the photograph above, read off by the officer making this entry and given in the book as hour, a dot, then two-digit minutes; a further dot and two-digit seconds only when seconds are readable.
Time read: 2.09.10
